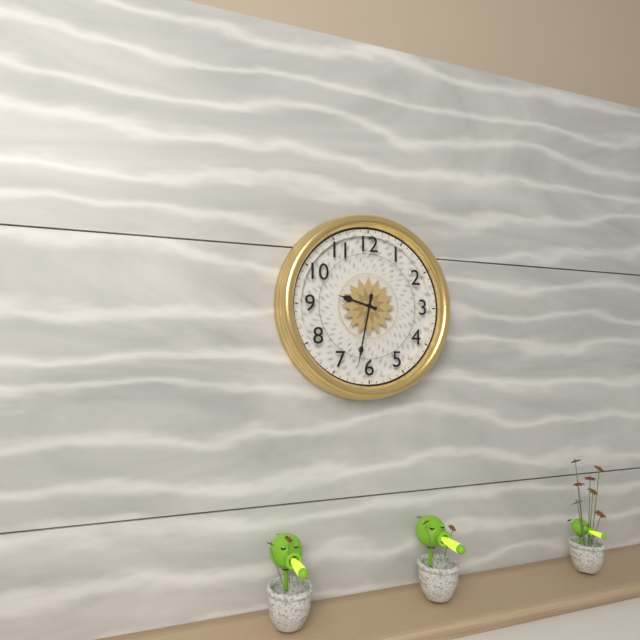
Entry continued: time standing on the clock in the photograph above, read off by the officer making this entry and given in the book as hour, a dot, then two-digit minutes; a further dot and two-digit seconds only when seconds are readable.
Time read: 9.32
